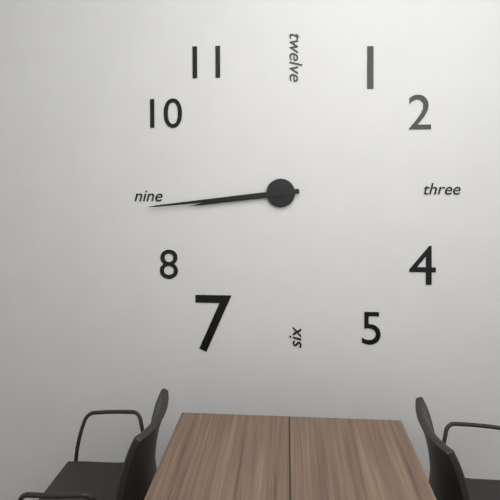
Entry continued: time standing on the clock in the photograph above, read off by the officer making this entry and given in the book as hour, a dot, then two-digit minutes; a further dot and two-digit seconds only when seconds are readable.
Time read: 8.44
